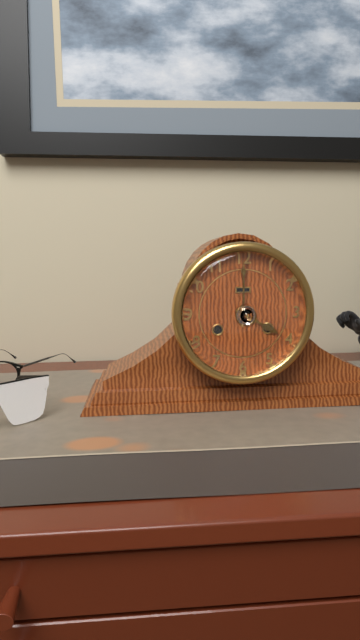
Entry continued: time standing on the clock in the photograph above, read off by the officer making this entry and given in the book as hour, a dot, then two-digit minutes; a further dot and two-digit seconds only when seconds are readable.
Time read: 4.00
